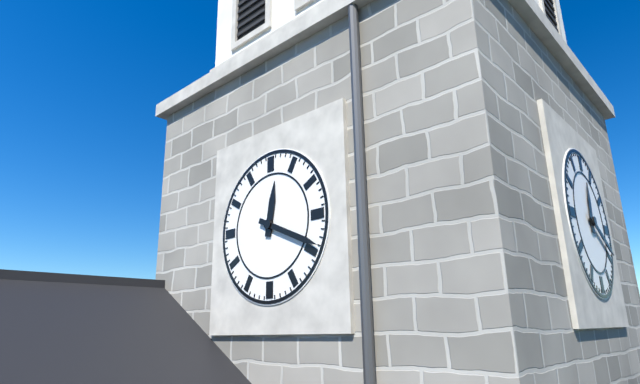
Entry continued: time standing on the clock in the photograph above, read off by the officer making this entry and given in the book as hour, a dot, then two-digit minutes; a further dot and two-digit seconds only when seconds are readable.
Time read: 12.19
